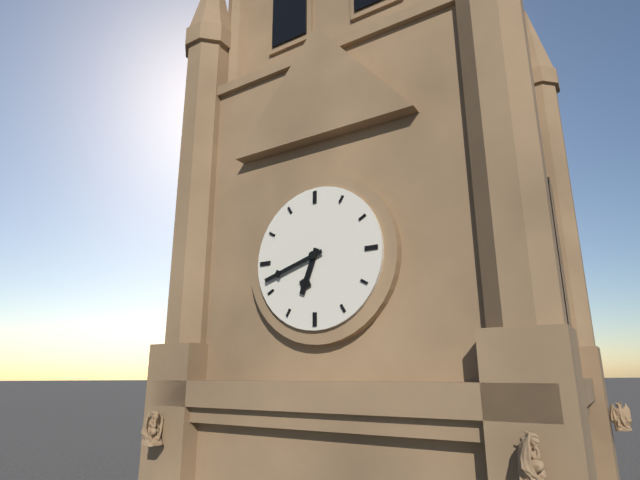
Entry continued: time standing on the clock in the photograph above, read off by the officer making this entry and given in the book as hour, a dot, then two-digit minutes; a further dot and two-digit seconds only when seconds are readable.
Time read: 6.42
